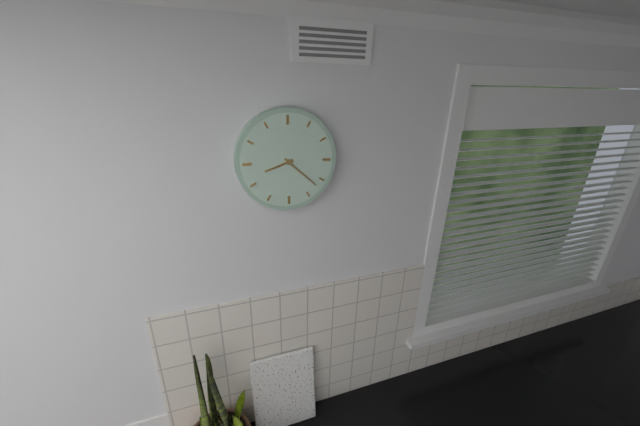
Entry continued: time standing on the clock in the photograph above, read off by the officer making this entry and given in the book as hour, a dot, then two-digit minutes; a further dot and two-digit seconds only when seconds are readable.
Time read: 8.22
